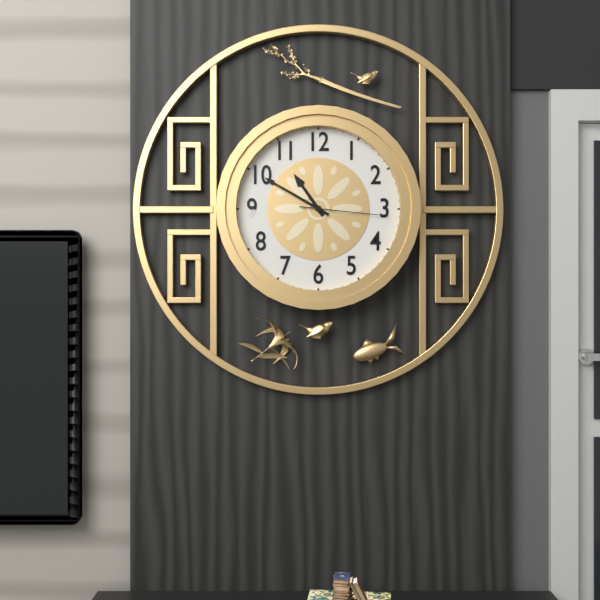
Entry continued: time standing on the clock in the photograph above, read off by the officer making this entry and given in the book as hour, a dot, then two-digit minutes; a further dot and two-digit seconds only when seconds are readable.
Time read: 10.50.16
